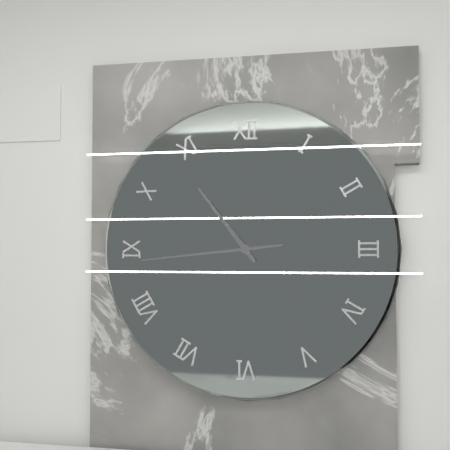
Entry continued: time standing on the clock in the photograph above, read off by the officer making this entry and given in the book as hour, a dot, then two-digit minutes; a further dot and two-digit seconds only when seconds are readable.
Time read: 10.44
